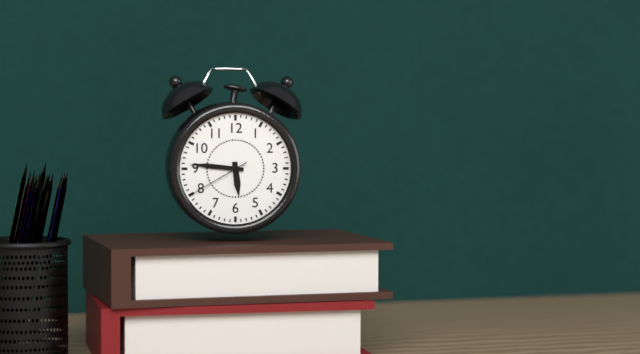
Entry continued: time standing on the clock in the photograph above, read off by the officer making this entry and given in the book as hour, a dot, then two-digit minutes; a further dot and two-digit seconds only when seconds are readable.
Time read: 5.46.40
